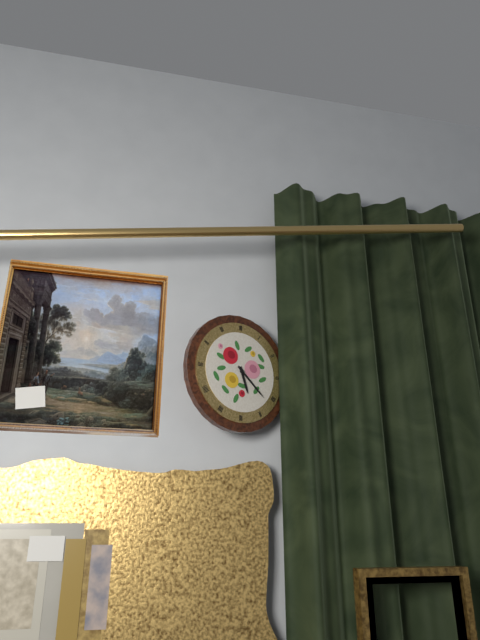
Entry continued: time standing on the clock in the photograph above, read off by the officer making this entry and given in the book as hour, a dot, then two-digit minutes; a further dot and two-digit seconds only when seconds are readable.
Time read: 5.22
